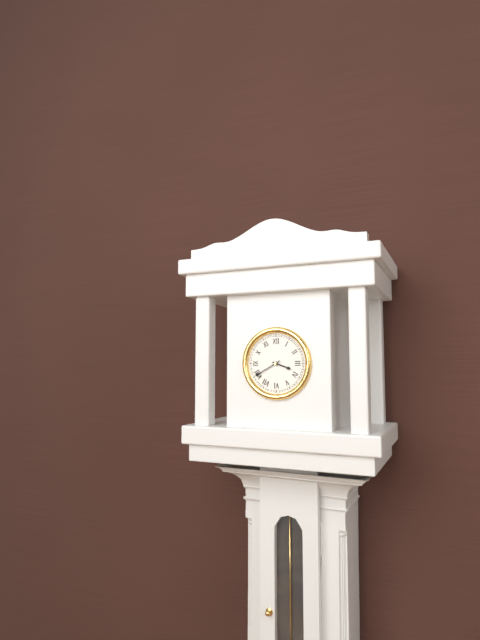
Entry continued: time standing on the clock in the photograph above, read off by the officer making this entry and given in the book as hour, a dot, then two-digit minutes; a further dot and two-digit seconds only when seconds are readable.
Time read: 3.40
